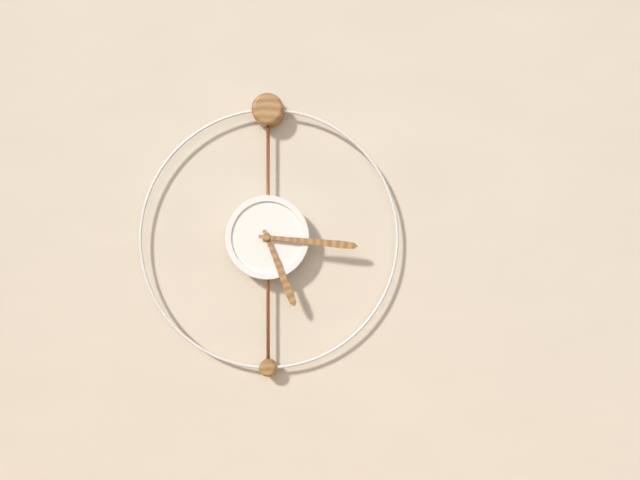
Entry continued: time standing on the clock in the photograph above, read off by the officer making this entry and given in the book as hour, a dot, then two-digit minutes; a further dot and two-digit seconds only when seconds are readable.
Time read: 5.16
